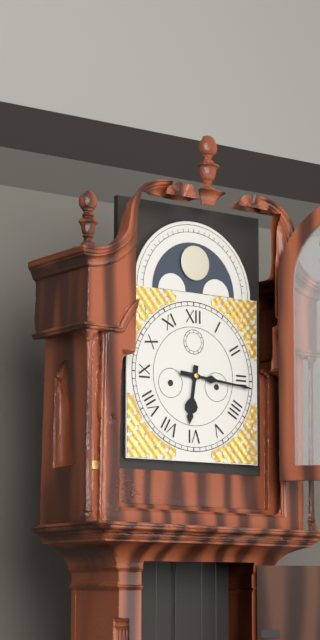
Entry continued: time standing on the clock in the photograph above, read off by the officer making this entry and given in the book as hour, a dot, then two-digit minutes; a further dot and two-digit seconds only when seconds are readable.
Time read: 6.16
